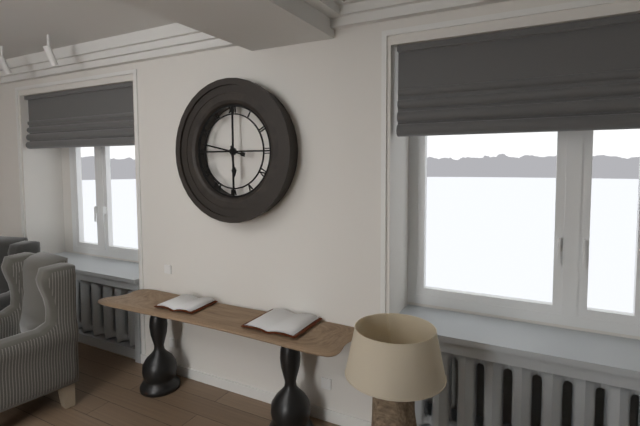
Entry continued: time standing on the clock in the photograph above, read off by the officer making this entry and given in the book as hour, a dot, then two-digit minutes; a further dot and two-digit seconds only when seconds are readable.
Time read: 5.47
